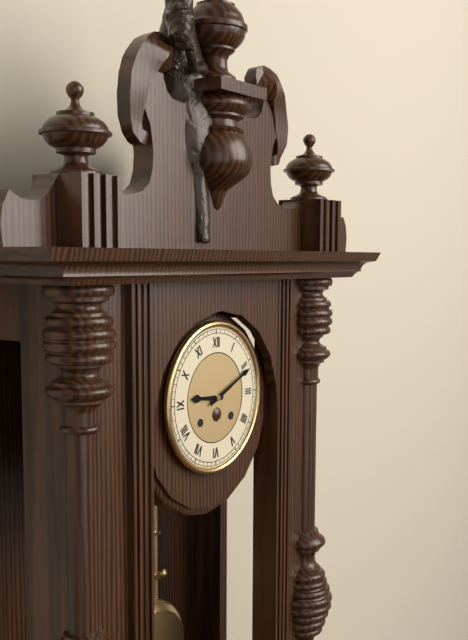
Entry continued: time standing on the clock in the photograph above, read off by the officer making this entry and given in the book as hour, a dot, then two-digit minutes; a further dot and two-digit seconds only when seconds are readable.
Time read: 9.11
